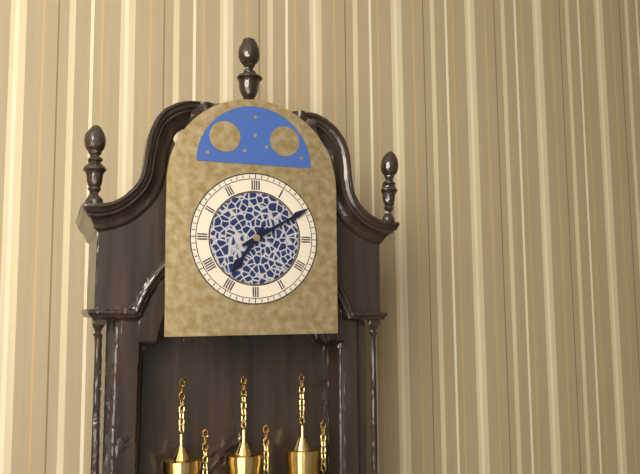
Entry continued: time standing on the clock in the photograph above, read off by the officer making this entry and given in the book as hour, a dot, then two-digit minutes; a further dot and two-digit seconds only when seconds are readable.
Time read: 7.10
